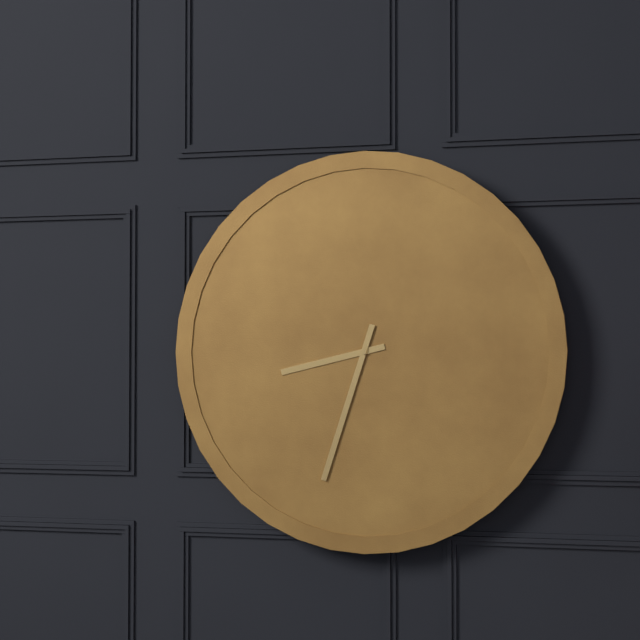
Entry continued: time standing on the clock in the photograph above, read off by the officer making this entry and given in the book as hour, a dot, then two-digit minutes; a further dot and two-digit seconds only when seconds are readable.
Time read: 8.33
